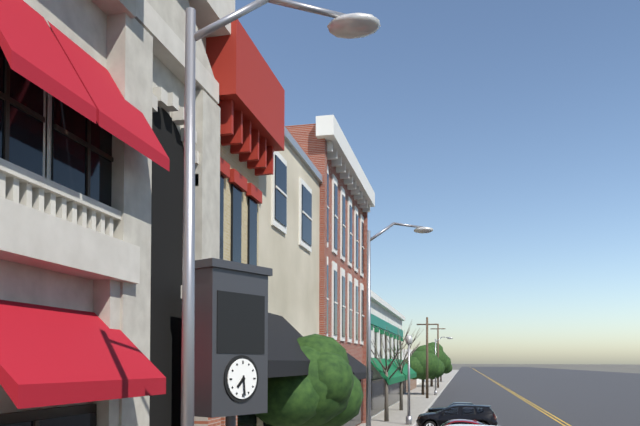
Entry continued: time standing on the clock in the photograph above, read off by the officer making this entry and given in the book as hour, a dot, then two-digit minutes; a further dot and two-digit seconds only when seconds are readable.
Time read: 7.29
